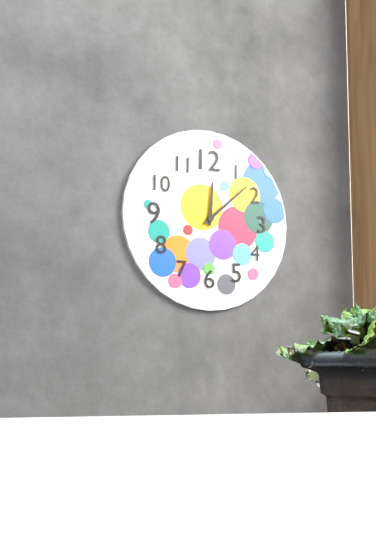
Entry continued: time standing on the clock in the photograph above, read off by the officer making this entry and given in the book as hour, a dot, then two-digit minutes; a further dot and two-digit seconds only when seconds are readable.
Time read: 12.08
